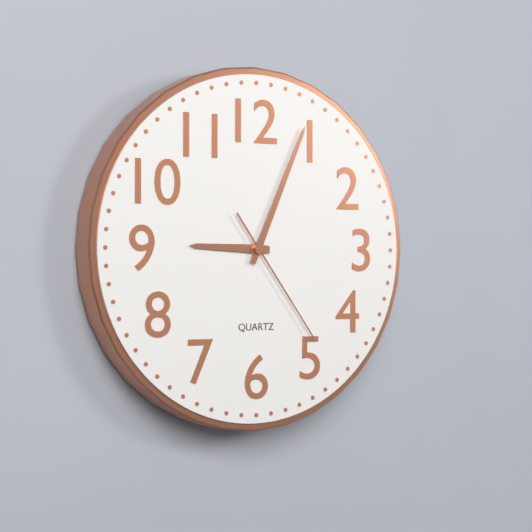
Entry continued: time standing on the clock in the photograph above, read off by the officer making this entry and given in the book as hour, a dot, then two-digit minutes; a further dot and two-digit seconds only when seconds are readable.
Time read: 9.04.24
